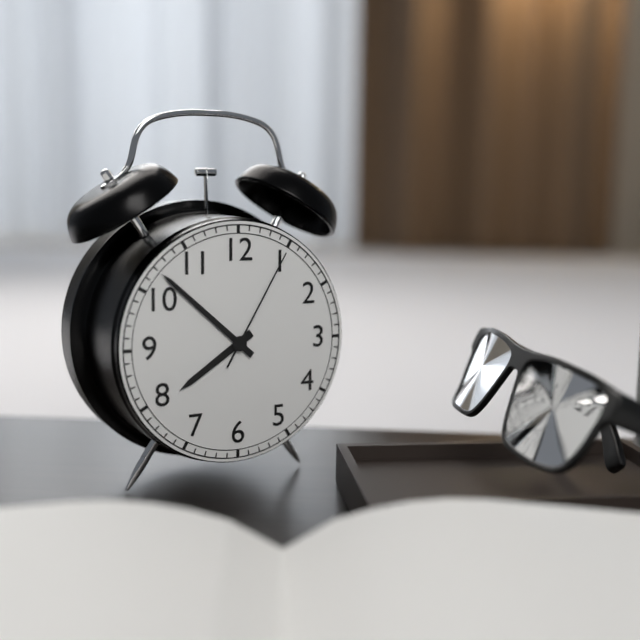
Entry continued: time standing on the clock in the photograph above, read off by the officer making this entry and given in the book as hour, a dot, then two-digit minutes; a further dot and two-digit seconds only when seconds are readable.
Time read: 7.52.05
